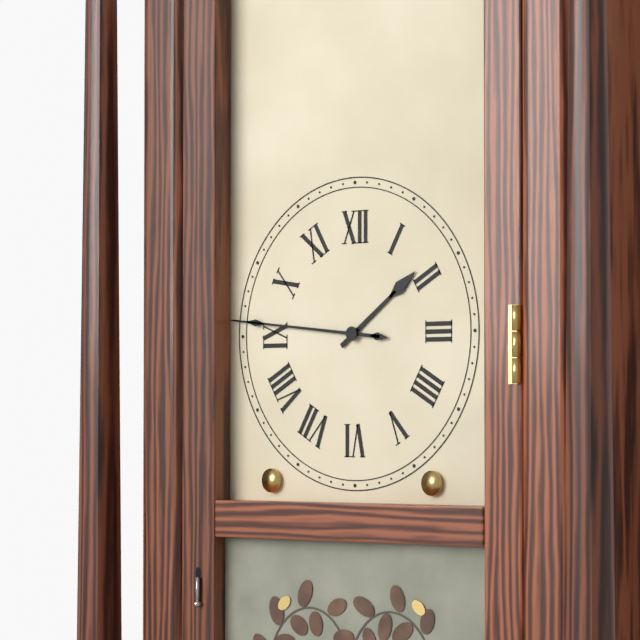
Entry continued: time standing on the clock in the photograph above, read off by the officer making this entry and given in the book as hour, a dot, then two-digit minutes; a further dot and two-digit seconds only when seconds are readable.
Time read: 1.46
